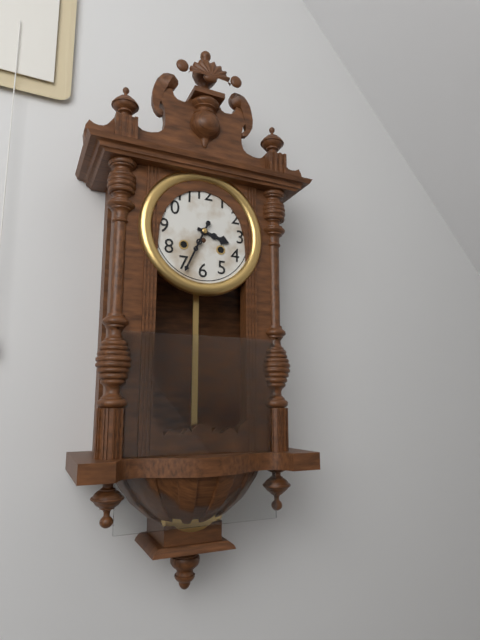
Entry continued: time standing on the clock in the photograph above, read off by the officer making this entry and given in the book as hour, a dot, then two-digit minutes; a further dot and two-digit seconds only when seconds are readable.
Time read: 3.34
